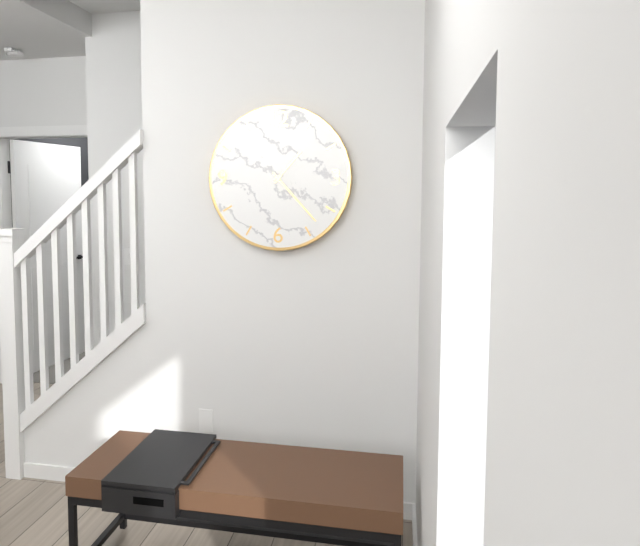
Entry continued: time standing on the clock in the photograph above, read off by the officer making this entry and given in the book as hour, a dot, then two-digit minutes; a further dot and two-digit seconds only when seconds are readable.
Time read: 1.23
